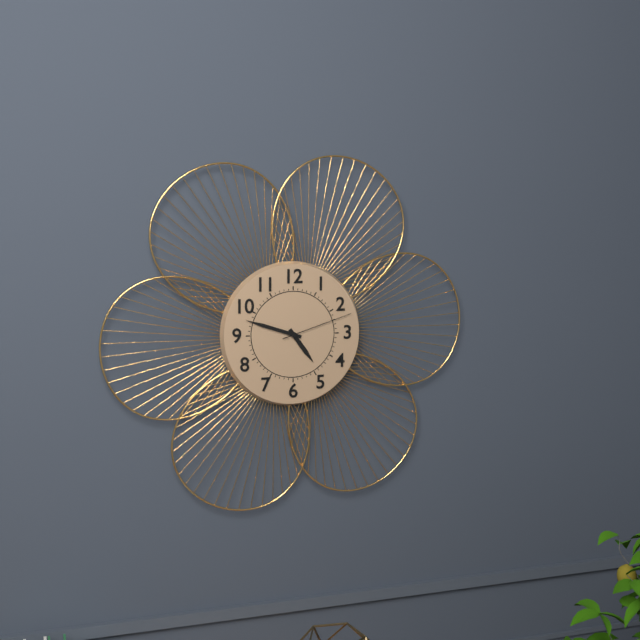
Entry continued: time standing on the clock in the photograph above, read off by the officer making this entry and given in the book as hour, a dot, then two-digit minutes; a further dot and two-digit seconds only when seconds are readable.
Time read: 4.48.12
